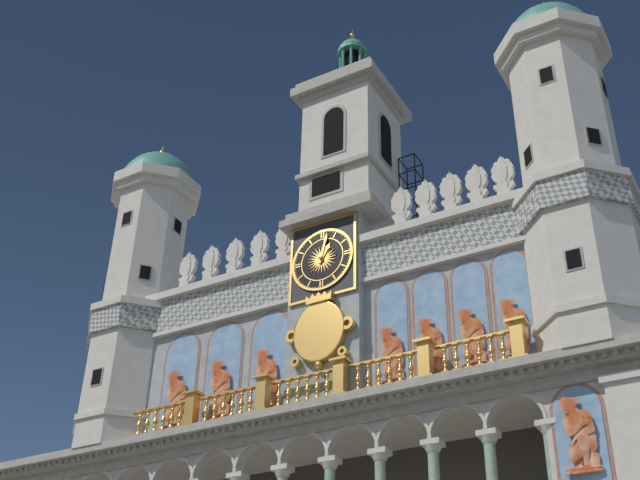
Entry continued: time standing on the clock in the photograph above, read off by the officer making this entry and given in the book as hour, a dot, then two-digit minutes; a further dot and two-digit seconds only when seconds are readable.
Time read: 1.02
